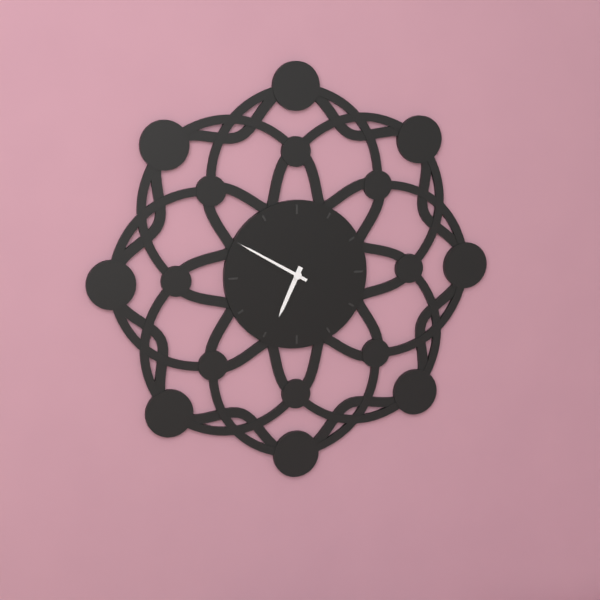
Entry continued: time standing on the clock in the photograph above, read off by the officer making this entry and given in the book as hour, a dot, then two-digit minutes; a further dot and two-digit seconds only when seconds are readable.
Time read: 6.50
